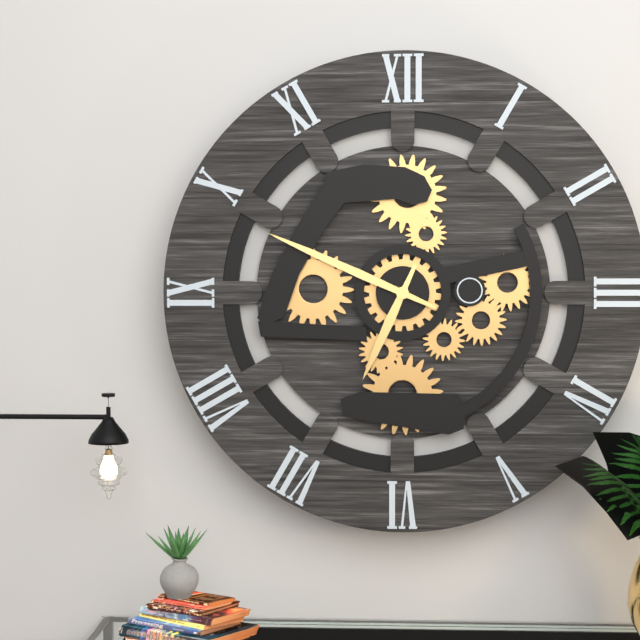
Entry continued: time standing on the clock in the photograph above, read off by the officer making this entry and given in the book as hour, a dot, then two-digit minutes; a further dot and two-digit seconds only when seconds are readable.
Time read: 6.49
